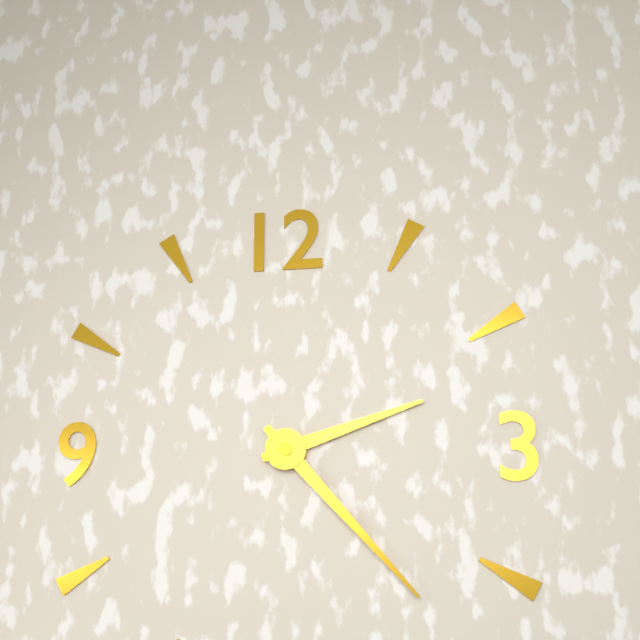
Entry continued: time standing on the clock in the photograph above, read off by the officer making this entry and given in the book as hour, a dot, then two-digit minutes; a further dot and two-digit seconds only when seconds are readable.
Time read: 2.23
